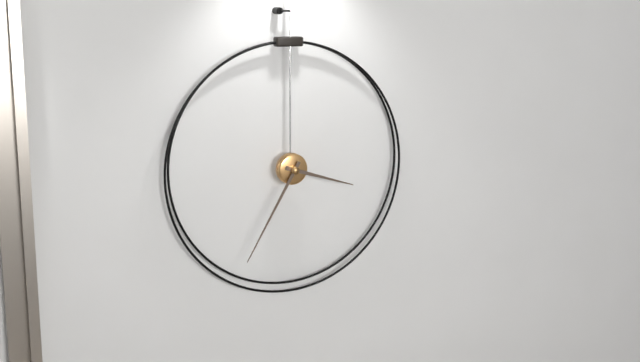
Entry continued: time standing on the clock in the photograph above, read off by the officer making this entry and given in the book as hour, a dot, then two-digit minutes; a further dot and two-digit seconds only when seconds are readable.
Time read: 3.35
